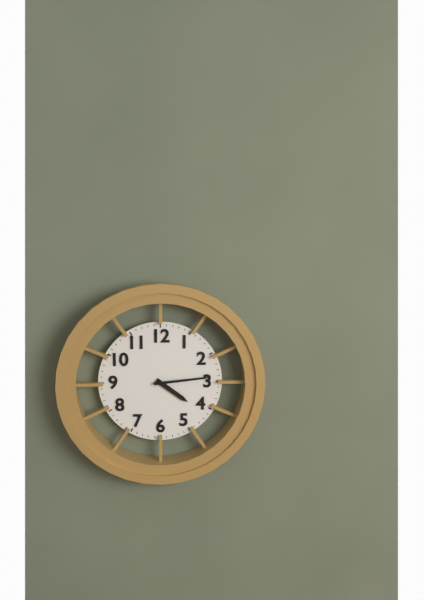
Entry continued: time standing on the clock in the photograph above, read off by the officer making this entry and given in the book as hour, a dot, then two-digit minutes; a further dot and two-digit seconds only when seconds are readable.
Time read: 4.14
